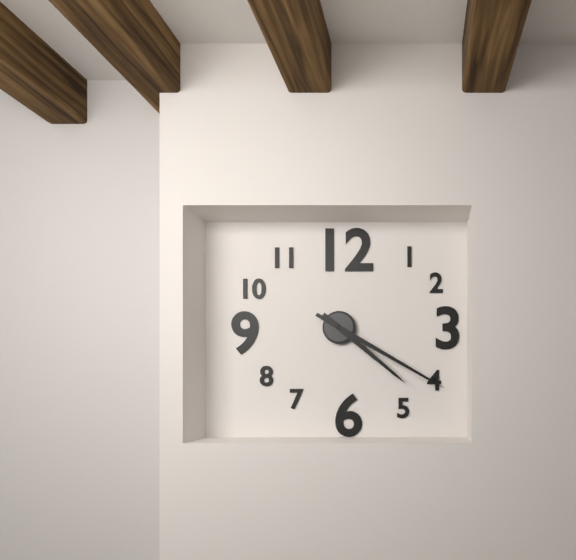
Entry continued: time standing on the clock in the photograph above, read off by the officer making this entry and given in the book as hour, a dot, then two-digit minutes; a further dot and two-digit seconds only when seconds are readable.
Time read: 4.20
